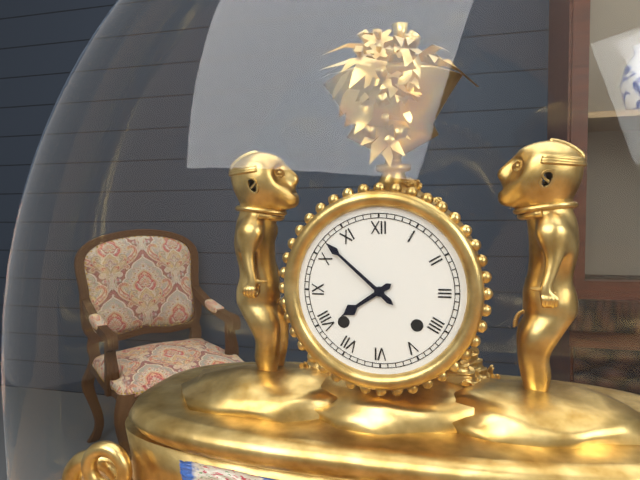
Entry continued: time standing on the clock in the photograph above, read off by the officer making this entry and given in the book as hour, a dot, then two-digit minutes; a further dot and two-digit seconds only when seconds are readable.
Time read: 7.52
